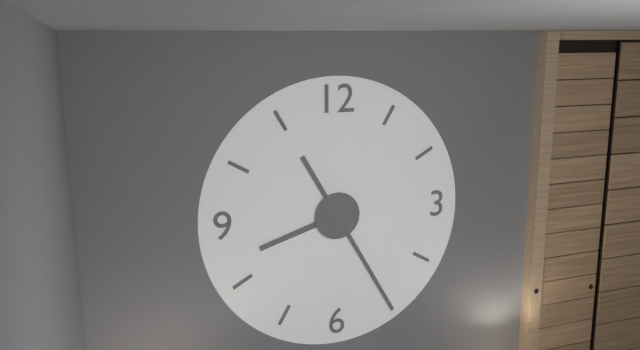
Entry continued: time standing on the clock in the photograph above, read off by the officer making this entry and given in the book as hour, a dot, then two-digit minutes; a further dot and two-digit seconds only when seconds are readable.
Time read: 8.25
